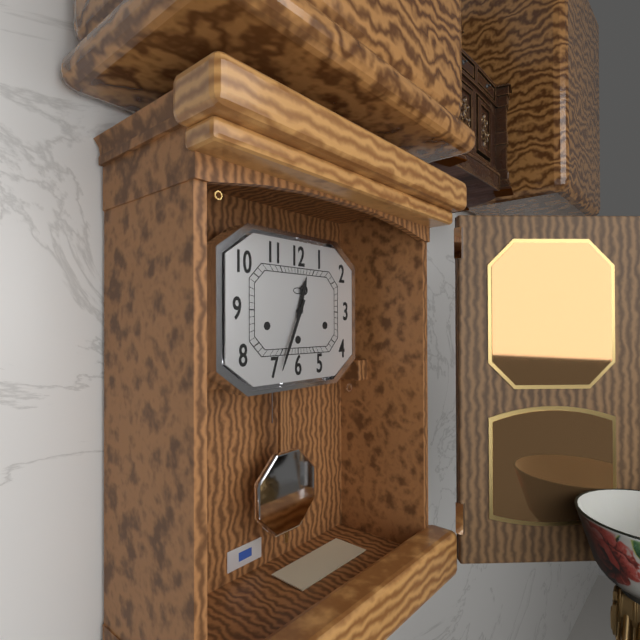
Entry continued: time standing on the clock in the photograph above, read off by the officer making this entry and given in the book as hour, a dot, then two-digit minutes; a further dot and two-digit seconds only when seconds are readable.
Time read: 12.34
